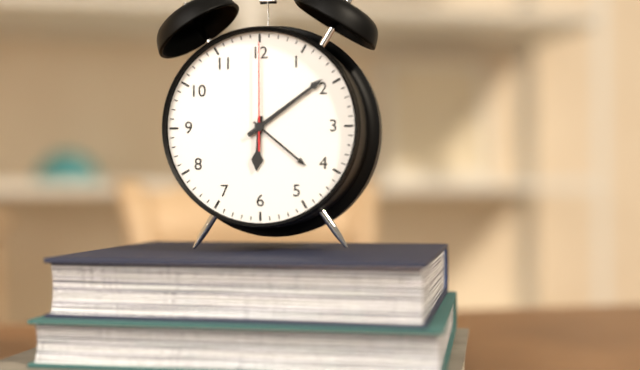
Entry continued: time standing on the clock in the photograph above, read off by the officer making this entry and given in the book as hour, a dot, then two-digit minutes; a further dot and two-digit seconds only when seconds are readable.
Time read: 6.09.00
